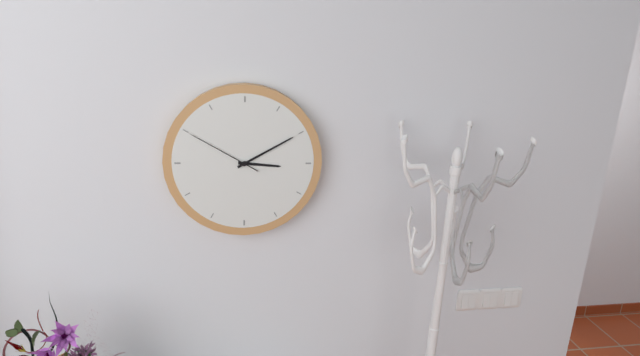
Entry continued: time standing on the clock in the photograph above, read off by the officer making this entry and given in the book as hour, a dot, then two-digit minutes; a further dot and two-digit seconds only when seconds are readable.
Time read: 3.10.50
